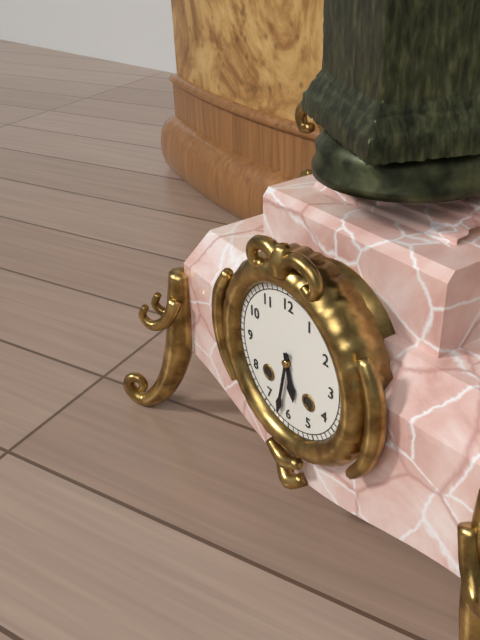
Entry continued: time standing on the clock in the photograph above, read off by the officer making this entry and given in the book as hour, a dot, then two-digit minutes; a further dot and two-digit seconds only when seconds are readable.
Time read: 5.32
